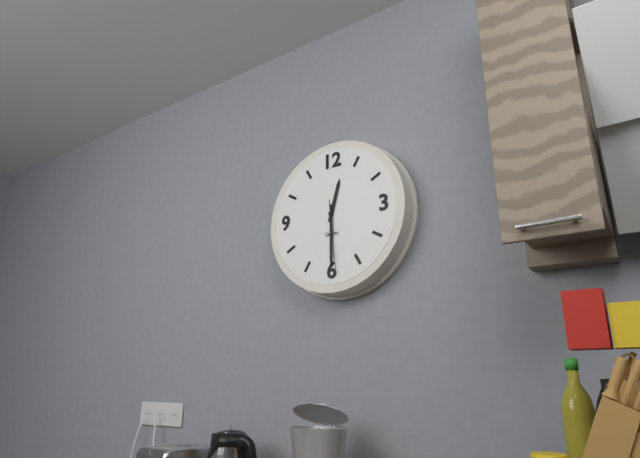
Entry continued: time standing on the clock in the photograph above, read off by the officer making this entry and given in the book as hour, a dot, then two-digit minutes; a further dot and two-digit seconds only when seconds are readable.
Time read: 12.30.29
